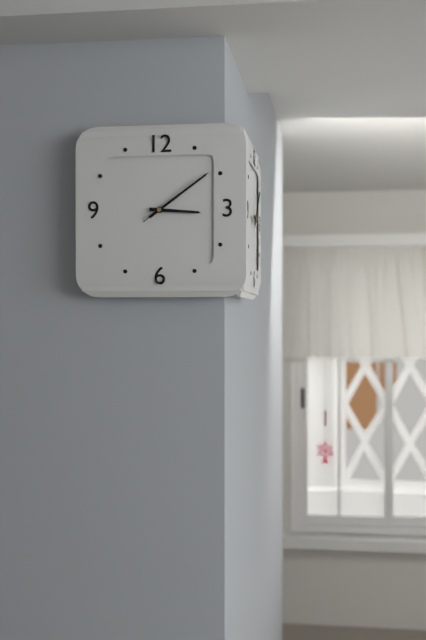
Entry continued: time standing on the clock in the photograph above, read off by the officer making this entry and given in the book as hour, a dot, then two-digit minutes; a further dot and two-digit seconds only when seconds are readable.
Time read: 3.09.09
